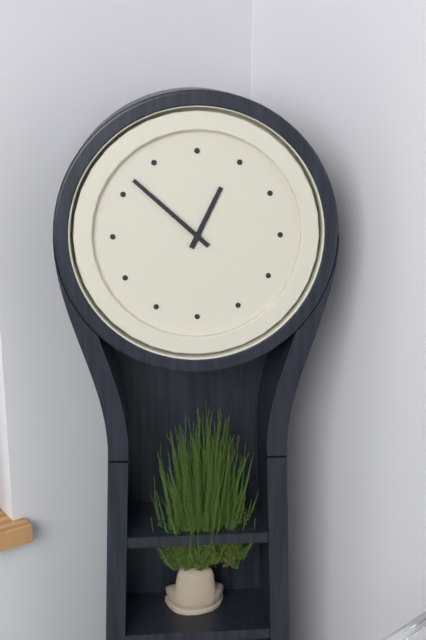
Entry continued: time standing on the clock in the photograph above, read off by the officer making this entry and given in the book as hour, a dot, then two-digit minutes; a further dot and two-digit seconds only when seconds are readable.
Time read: 12.52
